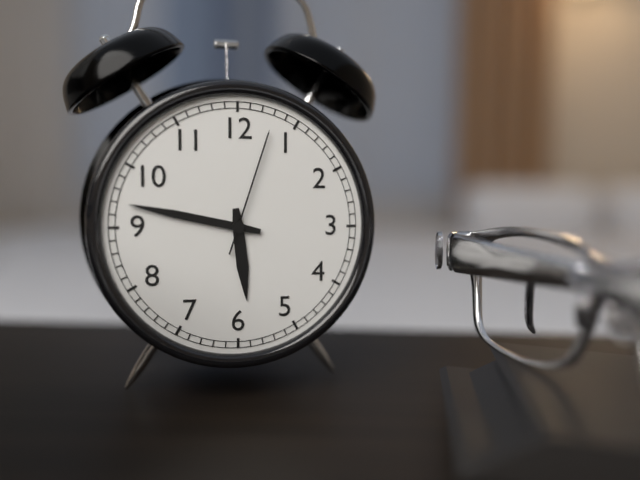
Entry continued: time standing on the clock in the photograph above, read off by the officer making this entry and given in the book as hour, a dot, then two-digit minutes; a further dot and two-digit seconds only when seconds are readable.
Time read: 5.47.03
